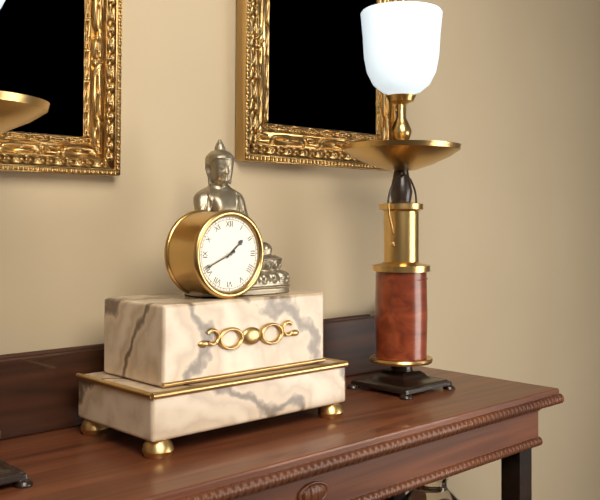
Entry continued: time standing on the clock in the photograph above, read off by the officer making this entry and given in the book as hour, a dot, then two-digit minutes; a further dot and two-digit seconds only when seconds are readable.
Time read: 1.41
